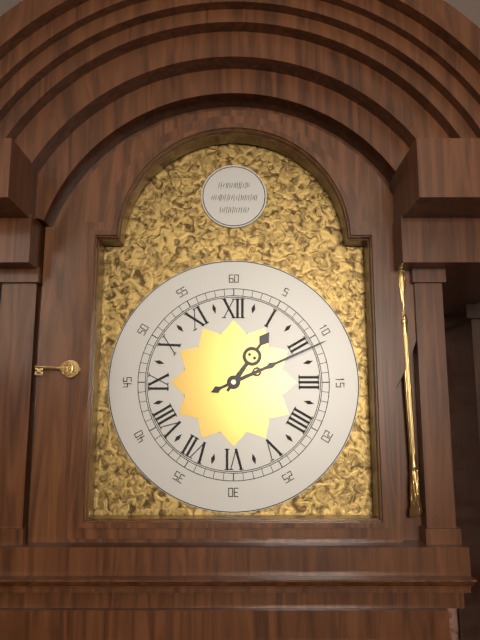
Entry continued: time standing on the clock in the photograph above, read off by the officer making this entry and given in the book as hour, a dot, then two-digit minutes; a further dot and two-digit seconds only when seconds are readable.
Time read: 1.11
